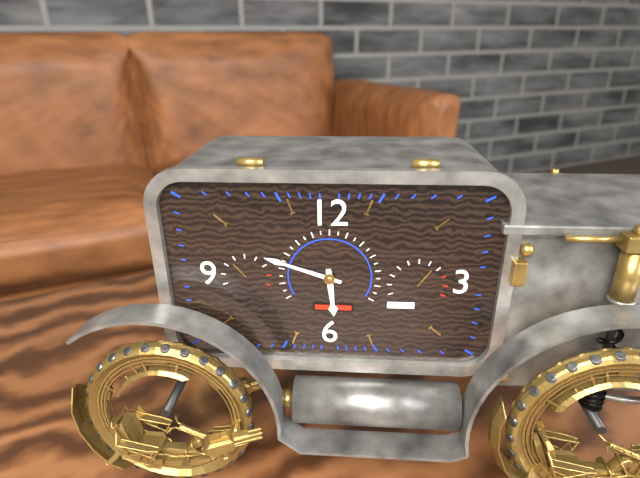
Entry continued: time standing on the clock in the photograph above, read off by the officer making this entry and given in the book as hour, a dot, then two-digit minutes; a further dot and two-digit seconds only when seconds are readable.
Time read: 5.48
